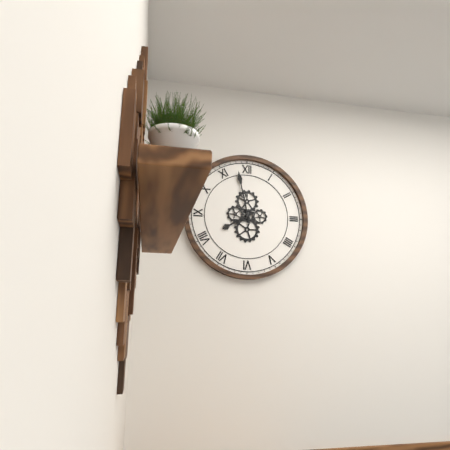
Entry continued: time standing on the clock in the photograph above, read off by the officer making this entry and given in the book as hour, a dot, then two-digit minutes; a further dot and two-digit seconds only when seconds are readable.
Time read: 7.58
